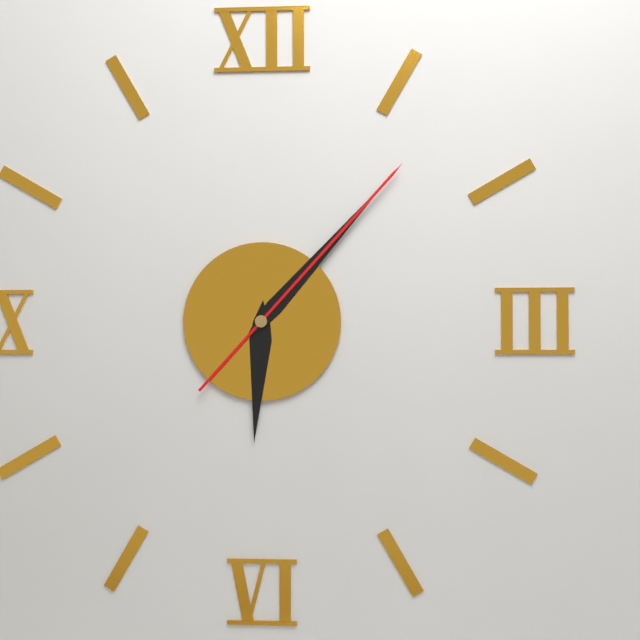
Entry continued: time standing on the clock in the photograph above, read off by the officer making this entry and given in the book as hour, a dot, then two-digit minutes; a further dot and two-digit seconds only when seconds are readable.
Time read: 6.07.07
